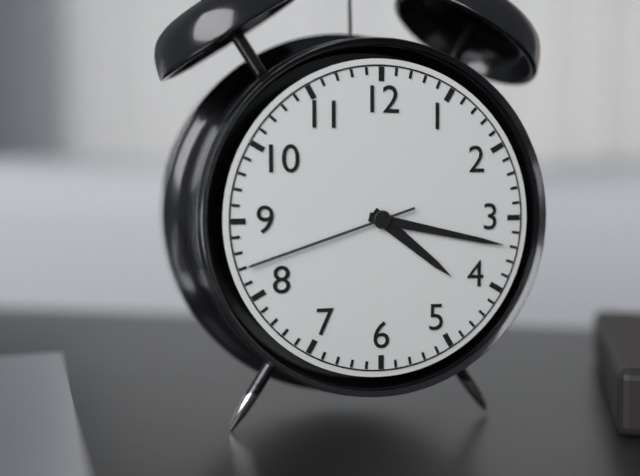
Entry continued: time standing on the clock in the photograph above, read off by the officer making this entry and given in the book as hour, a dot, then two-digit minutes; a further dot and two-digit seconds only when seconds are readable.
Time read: 4.17.42
